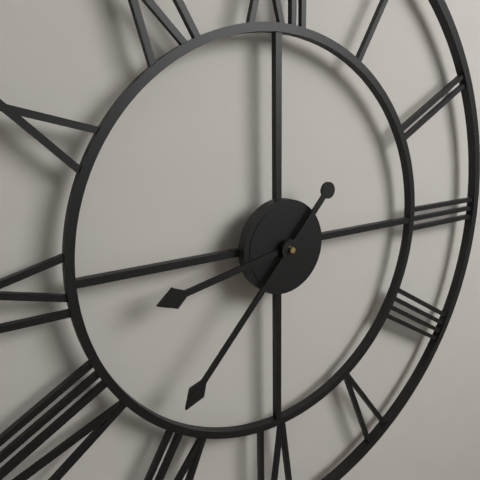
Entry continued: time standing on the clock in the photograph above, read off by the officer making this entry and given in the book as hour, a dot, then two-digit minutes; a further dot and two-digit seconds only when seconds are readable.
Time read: 8.37
